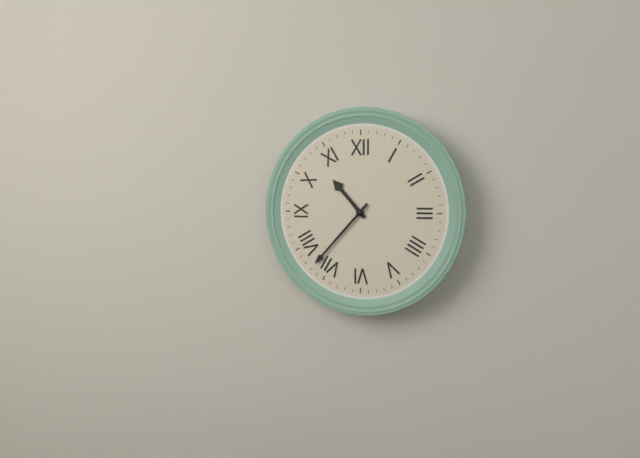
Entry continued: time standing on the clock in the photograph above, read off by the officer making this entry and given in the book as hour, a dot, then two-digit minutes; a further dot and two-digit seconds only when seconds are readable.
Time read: 10.37
